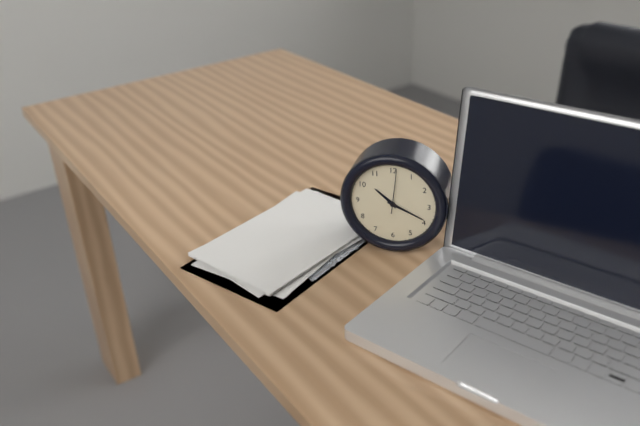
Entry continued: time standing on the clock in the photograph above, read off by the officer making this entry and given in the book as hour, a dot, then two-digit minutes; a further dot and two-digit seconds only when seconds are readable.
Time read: 10.19
